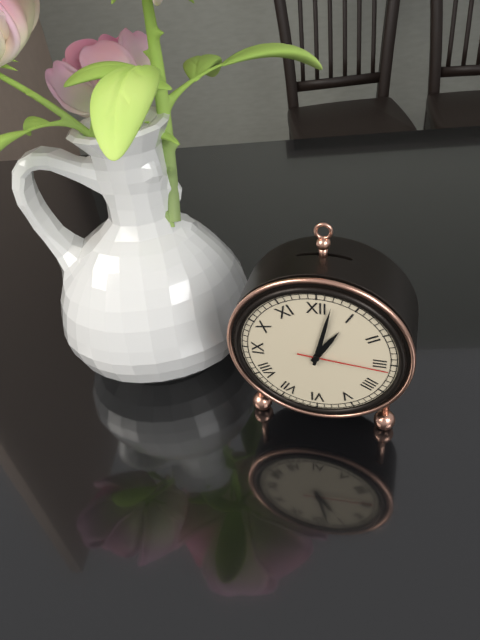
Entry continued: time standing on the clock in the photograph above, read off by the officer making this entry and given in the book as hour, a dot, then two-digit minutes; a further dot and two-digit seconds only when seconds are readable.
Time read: 1.02.16
